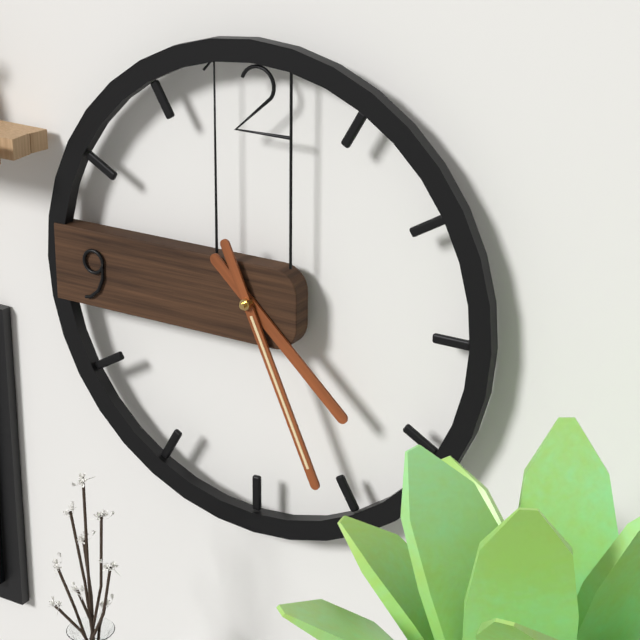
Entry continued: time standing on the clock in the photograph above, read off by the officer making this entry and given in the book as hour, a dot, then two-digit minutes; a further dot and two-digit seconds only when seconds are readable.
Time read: 4.26
